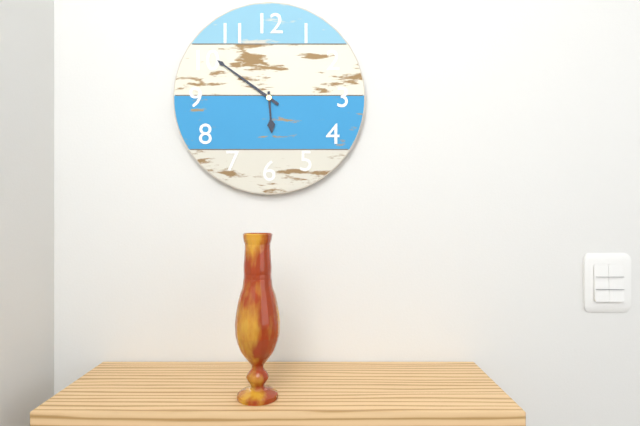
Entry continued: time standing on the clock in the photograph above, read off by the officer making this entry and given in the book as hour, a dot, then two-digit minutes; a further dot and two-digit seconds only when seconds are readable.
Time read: 5.51
